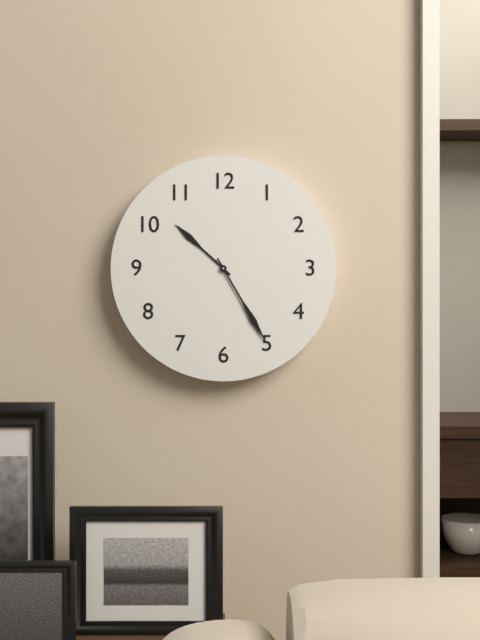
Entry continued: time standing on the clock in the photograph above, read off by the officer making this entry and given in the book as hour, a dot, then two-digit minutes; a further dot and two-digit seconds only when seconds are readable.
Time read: 10.25
